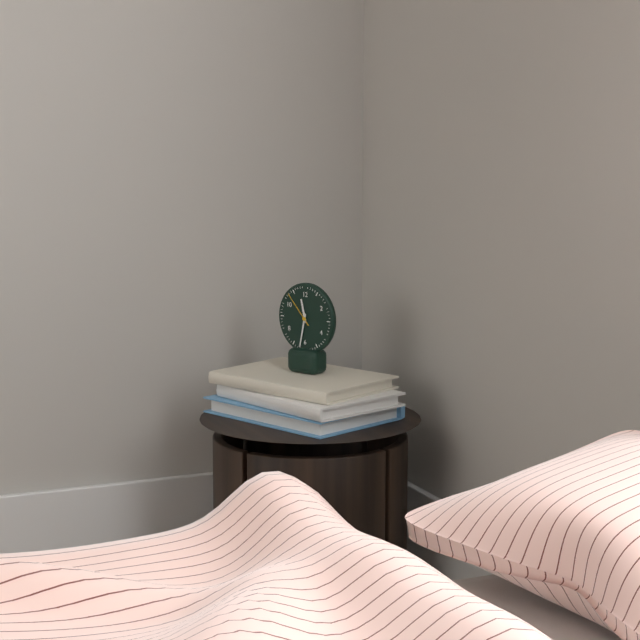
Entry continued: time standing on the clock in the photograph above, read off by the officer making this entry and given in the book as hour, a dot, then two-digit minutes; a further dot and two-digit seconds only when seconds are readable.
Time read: 11.32
